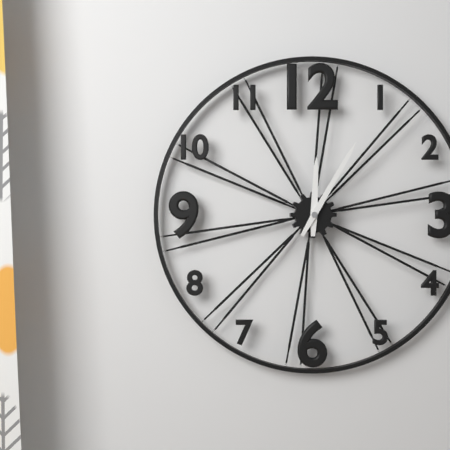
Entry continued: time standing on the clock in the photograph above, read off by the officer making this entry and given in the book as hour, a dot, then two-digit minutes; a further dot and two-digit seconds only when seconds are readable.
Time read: 12.05
